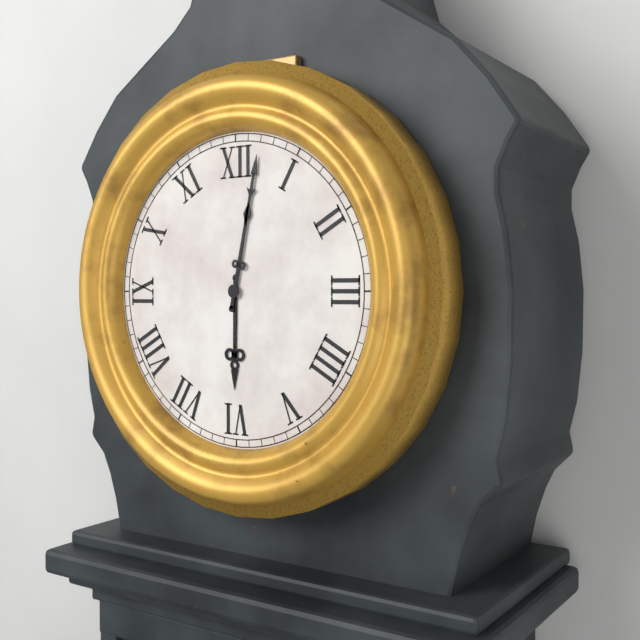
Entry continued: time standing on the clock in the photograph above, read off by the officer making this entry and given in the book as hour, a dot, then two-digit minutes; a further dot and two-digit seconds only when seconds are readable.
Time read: 6.02
